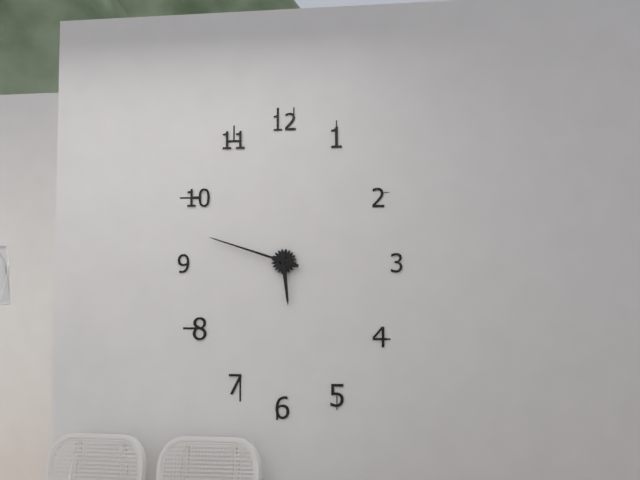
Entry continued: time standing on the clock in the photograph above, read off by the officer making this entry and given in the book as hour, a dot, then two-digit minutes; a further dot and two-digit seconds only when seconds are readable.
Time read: 5.48
